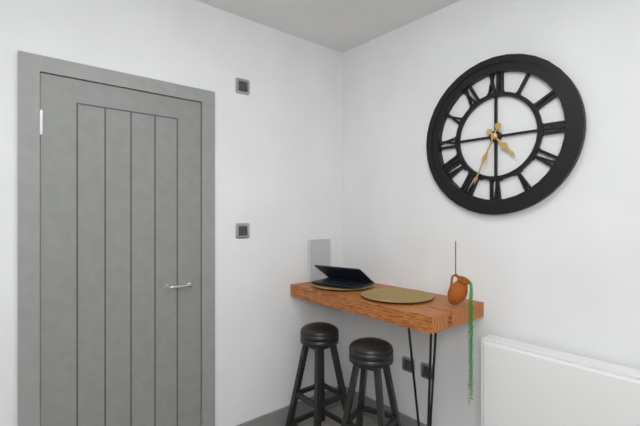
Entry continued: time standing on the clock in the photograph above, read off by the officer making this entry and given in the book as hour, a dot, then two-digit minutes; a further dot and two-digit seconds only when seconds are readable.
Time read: 4.34
